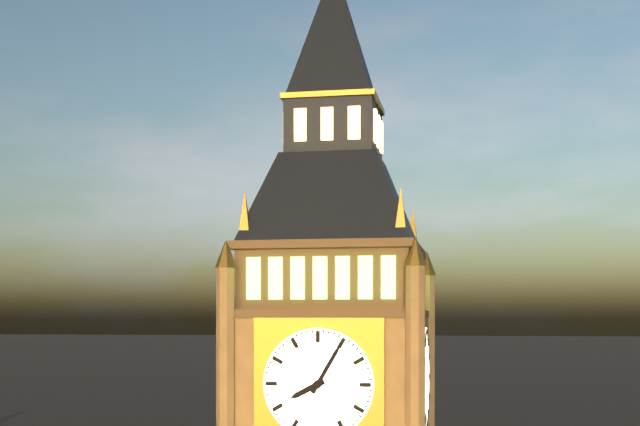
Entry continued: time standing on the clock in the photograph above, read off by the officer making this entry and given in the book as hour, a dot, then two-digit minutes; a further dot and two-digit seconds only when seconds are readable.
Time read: 8.05
